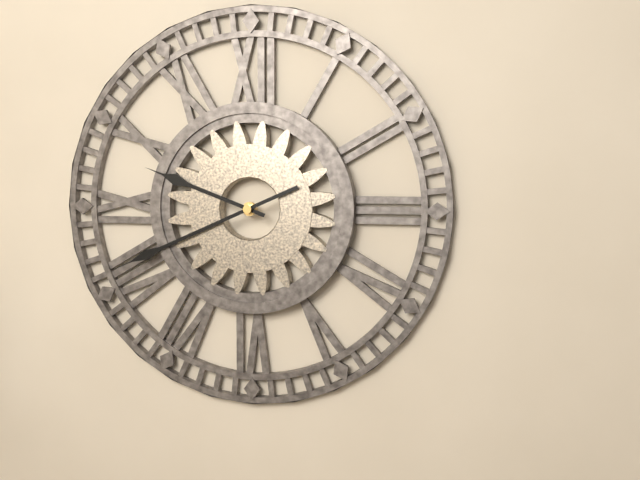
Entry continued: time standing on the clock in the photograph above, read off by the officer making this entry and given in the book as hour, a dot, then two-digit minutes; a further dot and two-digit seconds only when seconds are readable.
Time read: 9.41
